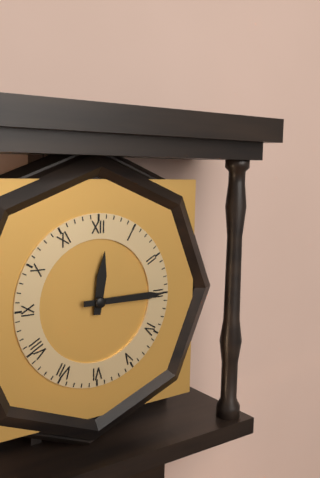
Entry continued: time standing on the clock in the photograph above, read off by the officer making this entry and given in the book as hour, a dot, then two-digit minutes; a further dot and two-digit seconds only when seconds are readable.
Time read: 12.15
